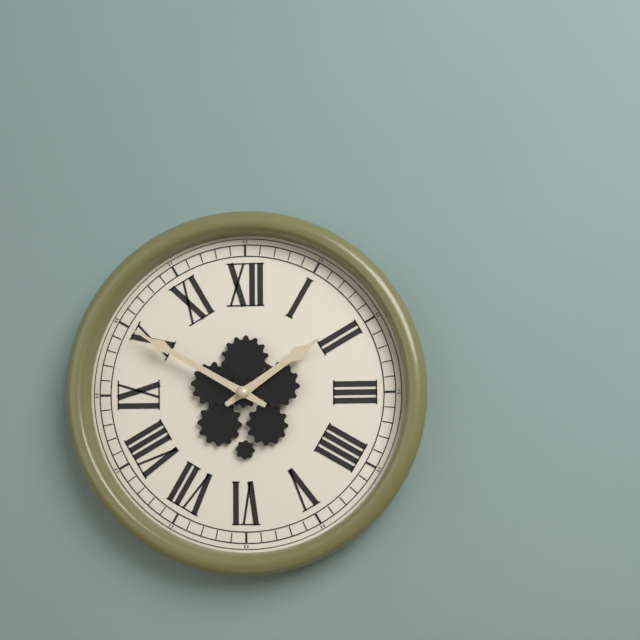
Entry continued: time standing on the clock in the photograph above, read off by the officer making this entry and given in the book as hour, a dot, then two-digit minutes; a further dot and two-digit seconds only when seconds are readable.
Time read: 1.50
